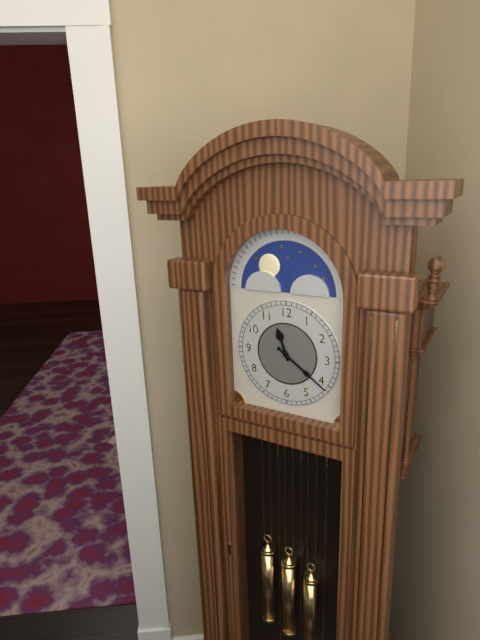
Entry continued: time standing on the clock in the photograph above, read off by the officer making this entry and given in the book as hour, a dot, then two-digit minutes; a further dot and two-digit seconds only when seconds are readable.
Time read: 11.21
